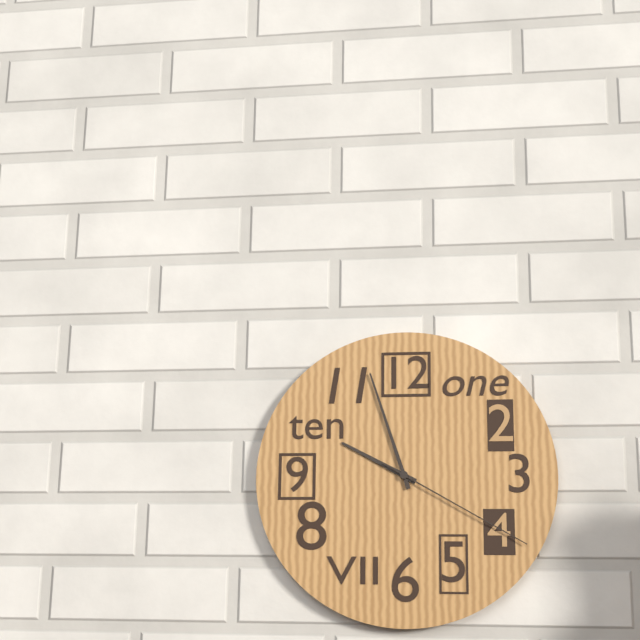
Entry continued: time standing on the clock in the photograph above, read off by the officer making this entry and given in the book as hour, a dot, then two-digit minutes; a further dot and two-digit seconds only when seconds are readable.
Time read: 9.57.20
